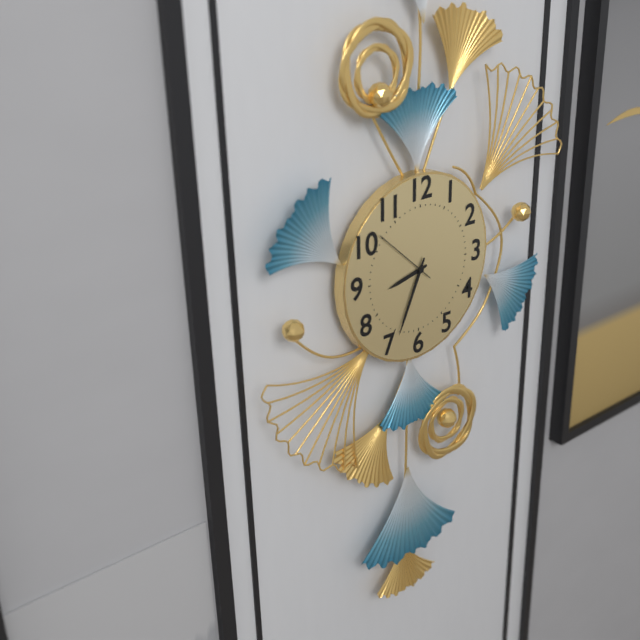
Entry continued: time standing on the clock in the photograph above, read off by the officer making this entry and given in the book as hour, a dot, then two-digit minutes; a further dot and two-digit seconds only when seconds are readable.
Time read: 8.34
